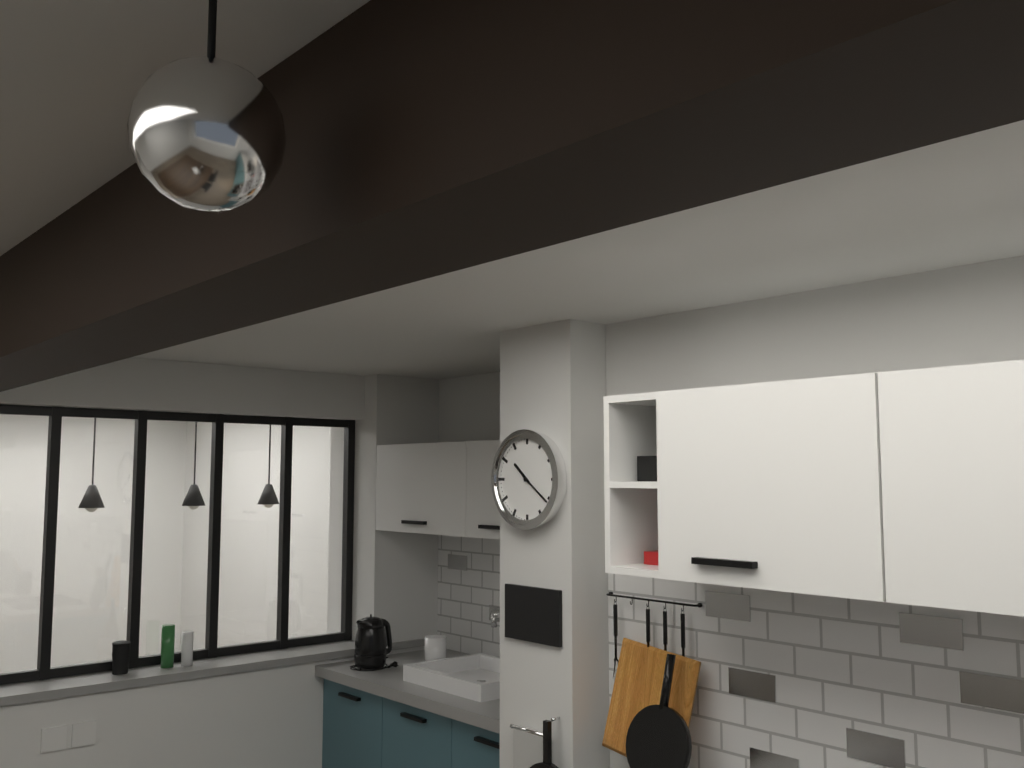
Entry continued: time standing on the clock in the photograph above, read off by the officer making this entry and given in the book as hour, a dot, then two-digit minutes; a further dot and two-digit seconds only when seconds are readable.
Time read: 10.21
